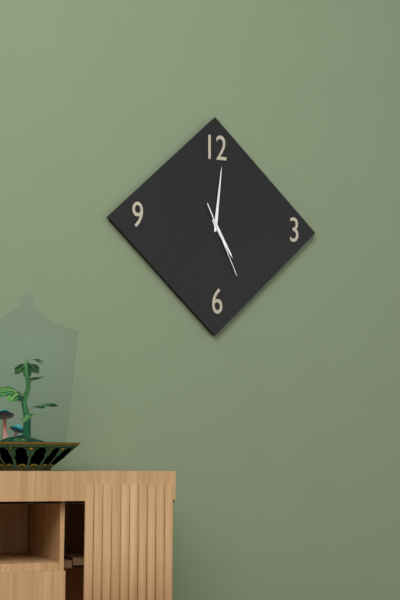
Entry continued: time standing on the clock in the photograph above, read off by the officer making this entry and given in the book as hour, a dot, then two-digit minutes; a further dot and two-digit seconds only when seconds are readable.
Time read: 5.01.26
